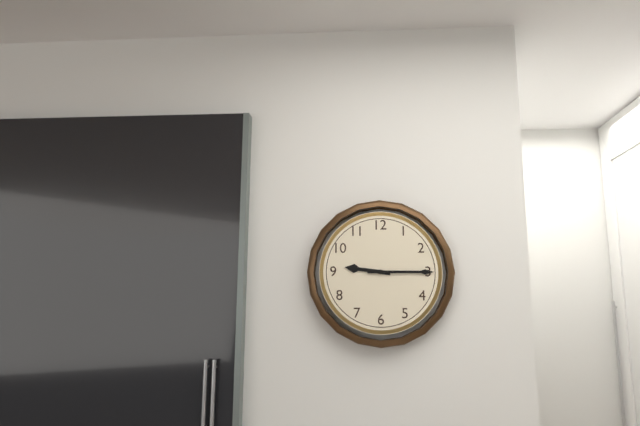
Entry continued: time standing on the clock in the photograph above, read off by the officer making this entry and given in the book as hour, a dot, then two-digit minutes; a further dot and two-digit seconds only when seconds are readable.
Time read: 9.15
